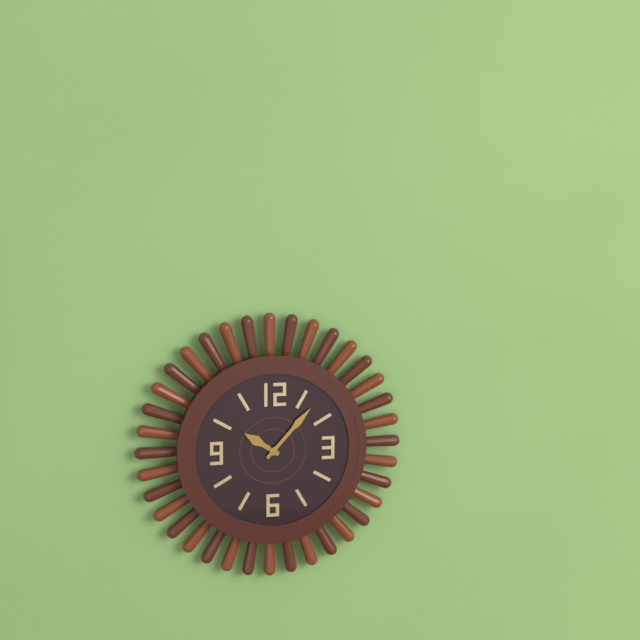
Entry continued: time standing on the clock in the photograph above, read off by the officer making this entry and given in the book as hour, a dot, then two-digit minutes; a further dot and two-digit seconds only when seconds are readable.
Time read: 10.07
